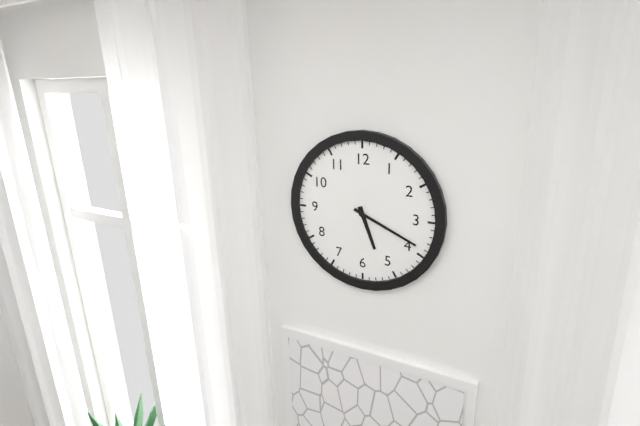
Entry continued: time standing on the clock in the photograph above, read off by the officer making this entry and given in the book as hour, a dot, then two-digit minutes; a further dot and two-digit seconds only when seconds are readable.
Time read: 5.19
